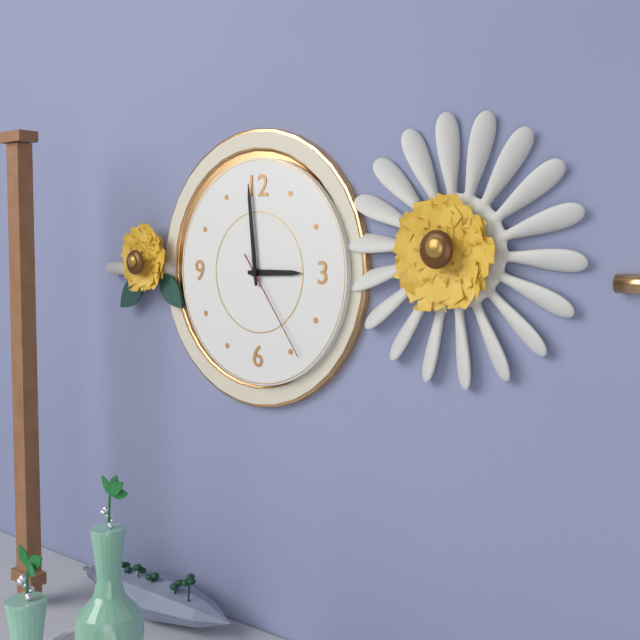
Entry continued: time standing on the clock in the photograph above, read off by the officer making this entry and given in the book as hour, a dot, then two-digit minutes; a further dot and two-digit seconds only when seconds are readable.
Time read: 2.59.24
